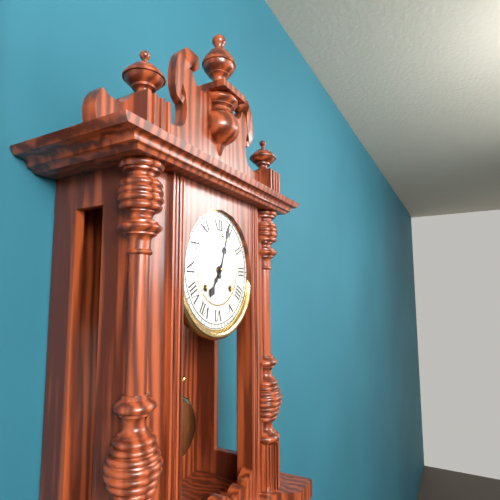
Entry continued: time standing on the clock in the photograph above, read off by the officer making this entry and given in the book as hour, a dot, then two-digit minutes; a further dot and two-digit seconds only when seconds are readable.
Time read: 7.03
